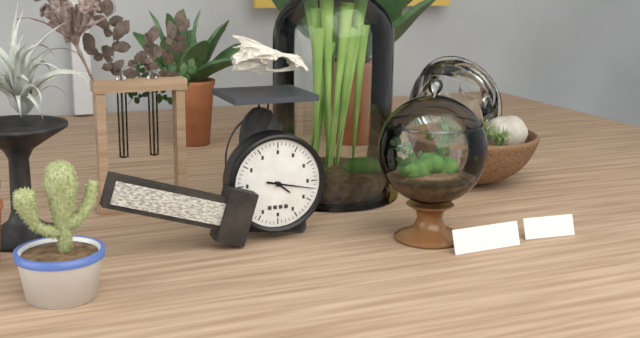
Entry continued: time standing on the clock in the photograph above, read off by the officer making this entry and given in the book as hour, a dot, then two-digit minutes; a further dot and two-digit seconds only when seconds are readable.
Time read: 4.17
